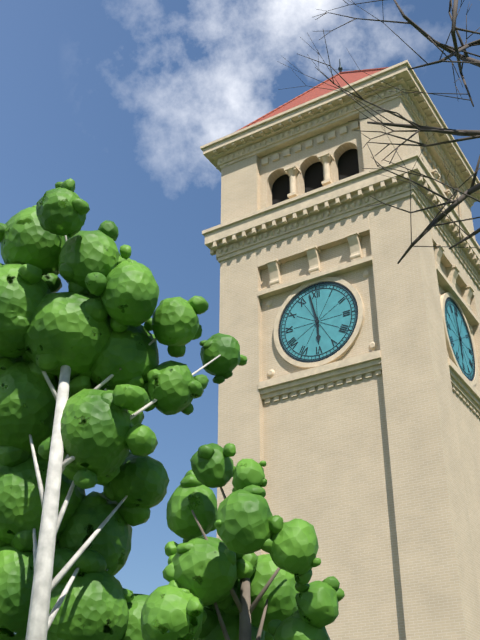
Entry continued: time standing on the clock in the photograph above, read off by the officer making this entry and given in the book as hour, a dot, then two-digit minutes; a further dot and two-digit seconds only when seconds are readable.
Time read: 5.58
